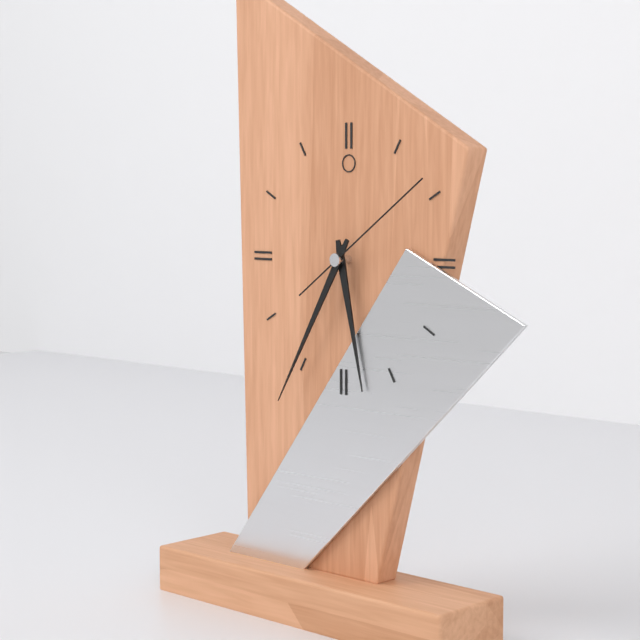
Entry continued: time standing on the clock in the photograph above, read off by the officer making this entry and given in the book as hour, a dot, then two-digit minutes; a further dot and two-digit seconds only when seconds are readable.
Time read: 5.35.09
